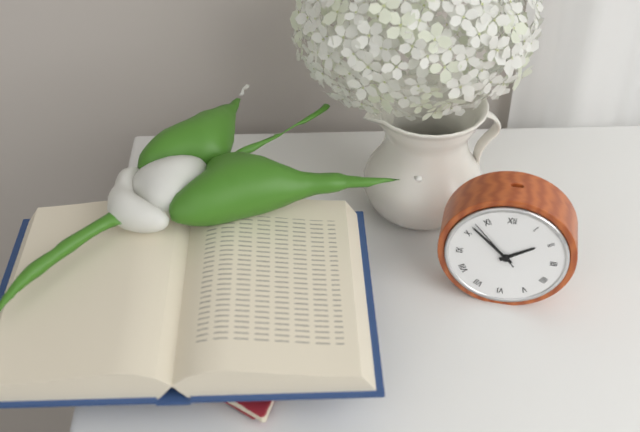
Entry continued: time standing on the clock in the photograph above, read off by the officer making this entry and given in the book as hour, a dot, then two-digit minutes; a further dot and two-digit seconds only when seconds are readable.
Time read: 1.52.53
